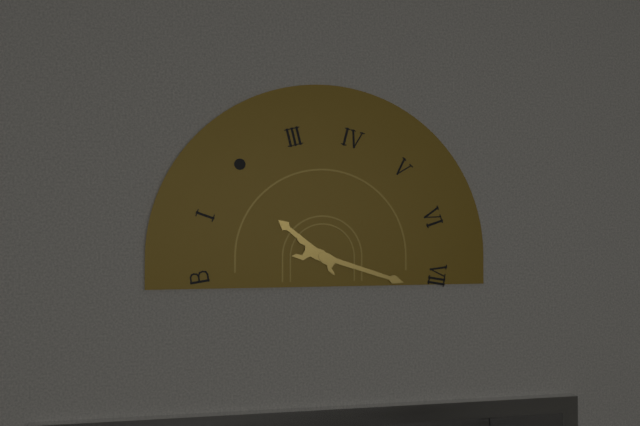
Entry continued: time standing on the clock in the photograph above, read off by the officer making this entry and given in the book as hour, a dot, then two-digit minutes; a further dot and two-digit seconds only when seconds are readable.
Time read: 10.18
